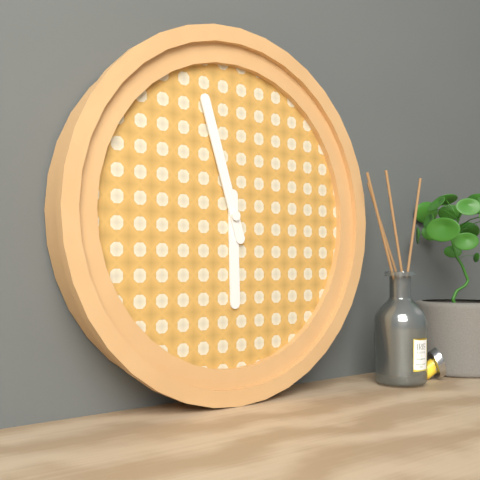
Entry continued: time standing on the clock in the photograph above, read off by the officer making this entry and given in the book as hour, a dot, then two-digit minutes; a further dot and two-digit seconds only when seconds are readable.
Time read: 5.57
